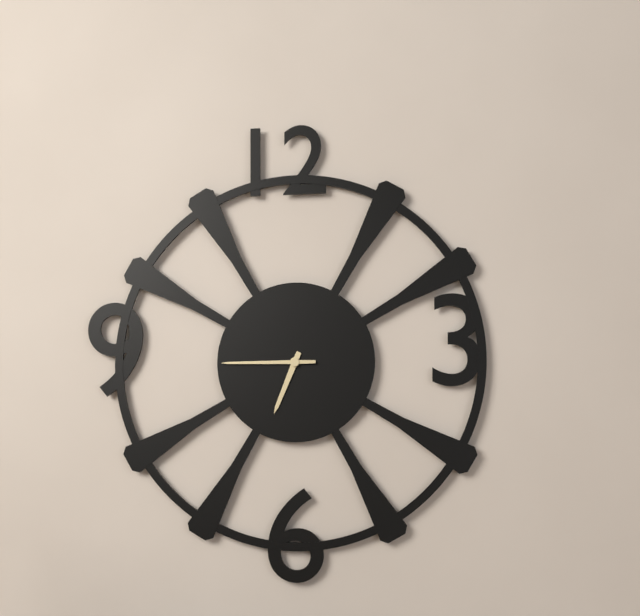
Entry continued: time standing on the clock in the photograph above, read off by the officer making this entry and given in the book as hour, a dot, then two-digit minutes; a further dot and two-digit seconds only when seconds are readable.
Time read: 6.45
